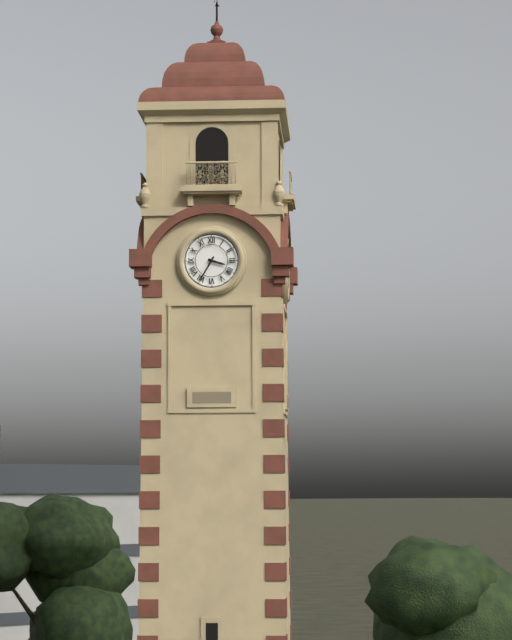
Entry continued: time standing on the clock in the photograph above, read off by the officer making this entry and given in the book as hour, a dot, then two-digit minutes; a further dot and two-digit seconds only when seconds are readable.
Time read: 3.35
